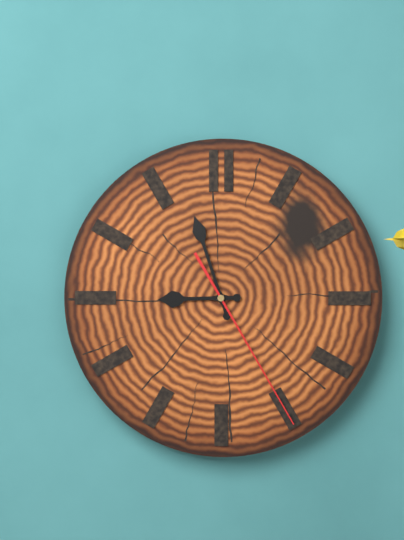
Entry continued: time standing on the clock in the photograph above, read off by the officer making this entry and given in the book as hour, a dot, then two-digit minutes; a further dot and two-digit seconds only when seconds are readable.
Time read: 8.57.25
